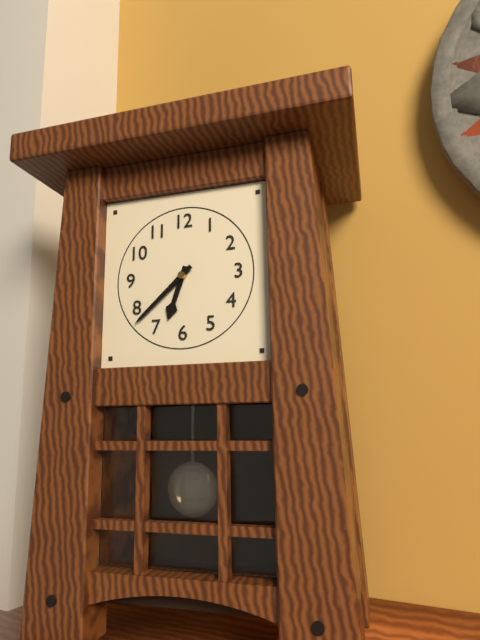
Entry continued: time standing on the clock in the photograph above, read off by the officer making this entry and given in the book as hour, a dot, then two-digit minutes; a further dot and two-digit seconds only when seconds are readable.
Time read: 6.38
